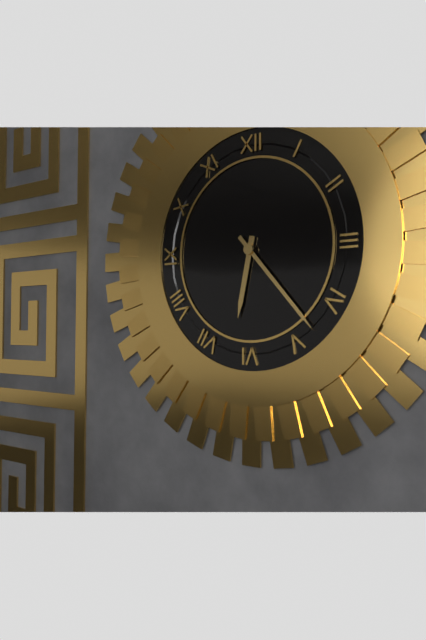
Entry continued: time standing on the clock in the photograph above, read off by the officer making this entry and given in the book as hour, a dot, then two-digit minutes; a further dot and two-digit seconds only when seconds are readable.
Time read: 6.23
